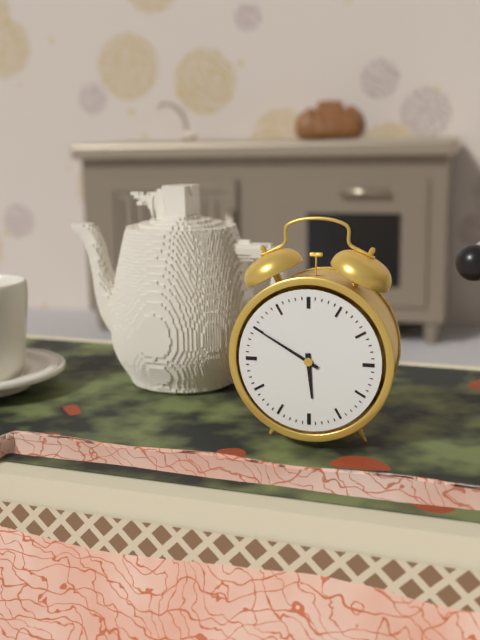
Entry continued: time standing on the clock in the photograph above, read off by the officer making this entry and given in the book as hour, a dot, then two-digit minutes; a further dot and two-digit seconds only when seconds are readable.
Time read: 5.50
